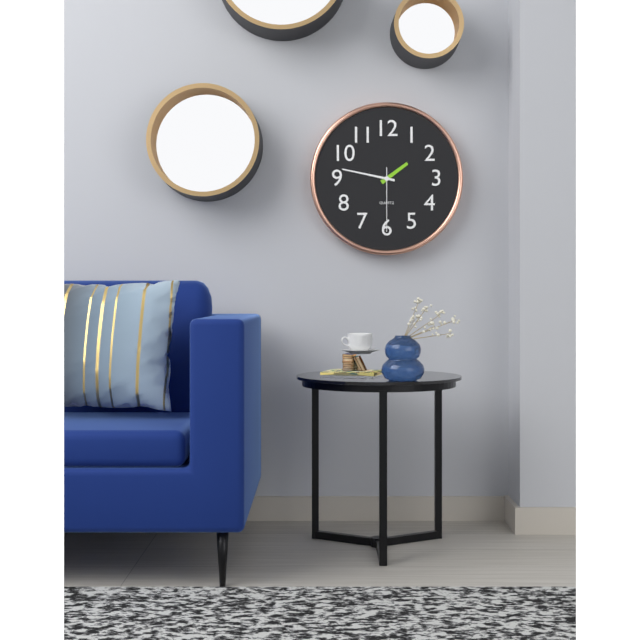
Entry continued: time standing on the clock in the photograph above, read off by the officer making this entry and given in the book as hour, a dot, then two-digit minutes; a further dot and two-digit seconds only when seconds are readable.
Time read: 1.47.30
